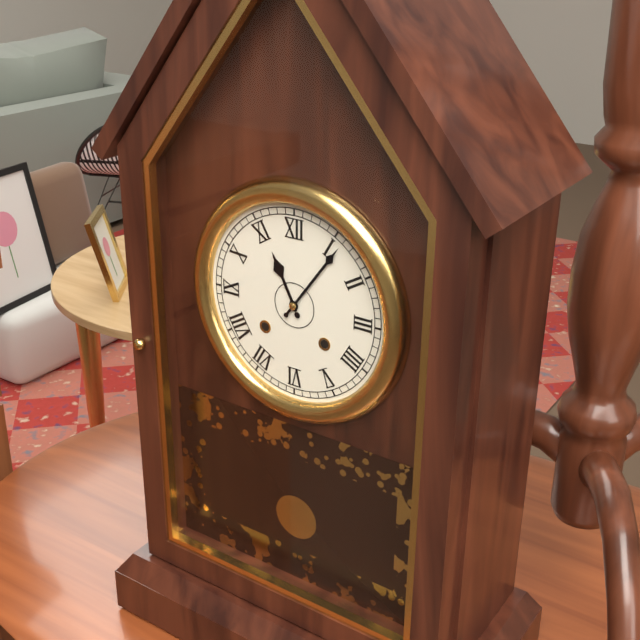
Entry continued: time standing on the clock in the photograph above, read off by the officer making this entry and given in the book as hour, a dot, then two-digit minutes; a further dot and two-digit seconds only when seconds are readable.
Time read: 11.06
